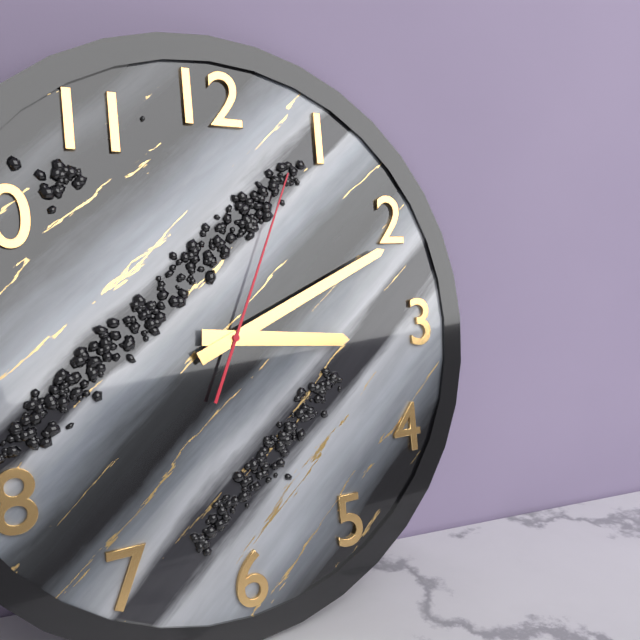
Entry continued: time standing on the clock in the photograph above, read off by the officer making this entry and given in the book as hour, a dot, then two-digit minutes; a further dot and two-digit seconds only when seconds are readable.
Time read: 3.11.04
